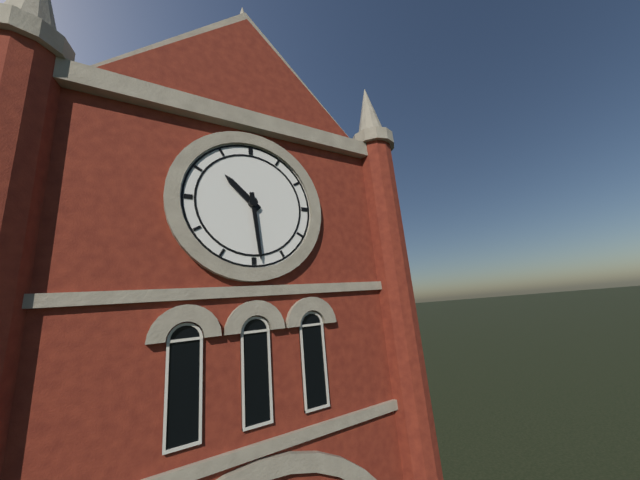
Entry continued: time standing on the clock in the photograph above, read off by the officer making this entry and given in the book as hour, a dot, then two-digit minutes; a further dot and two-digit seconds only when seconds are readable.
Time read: 10.29
